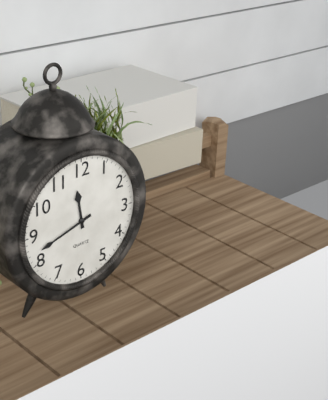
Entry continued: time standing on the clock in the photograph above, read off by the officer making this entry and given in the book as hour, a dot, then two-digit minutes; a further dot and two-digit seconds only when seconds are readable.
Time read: 11.42
